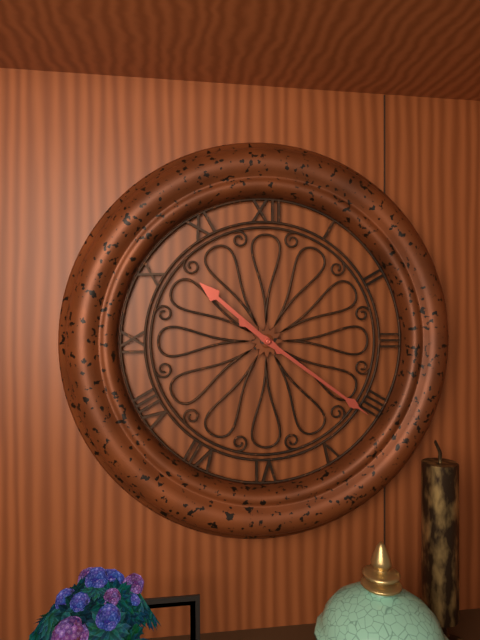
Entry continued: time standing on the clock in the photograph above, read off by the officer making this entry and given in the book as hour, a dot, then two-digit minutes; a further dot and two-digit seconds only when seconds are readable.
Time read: 10.21
